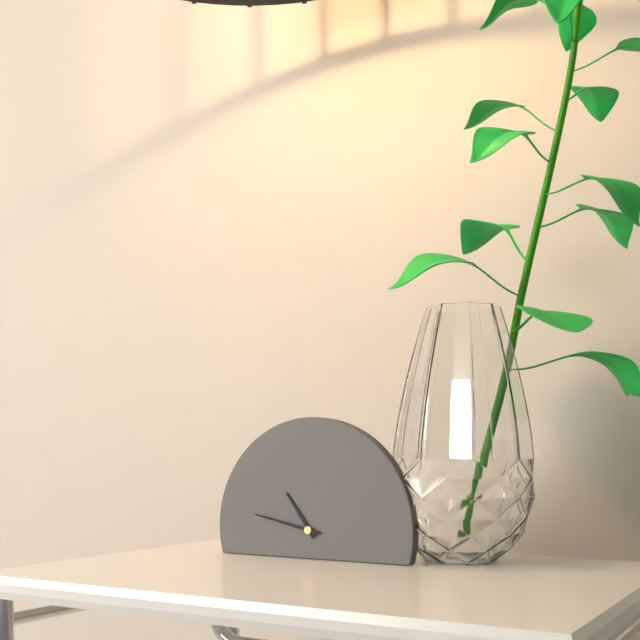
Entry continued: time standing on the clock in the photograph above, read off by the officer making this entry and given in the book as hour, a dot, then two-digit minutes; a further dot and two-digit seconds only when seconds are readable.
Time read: 10.47
